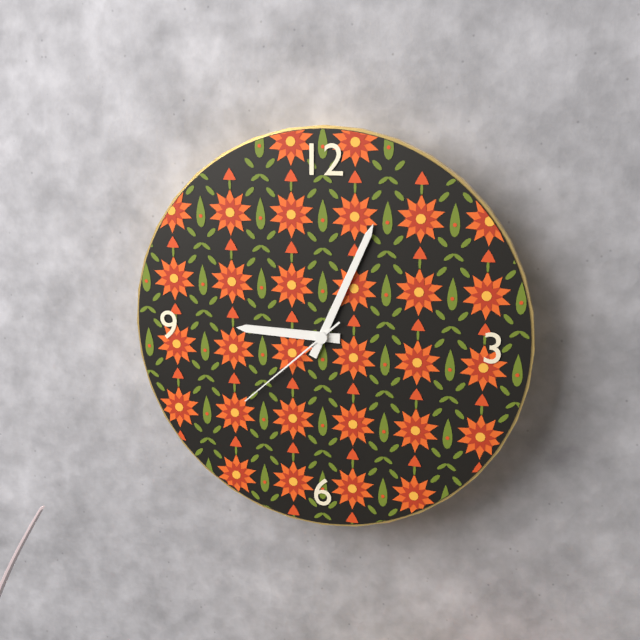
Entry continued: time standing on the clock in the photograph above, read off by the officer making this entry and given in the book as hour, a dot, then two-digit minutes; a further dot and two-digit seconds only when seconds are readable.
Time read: 9.04.38
